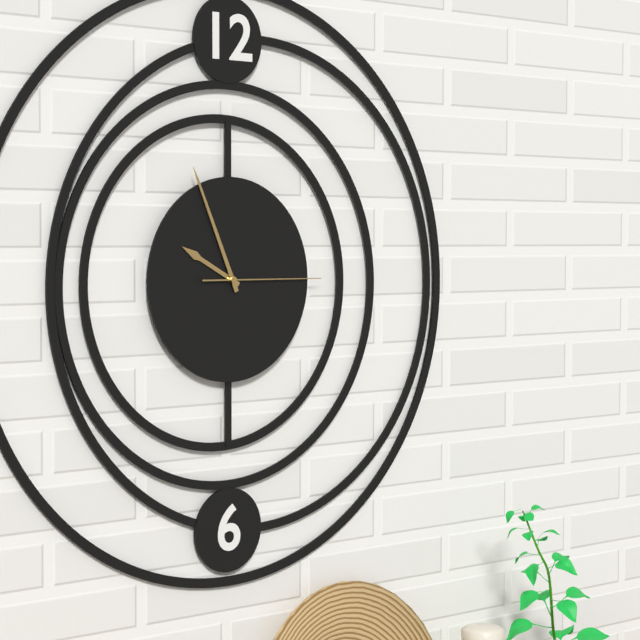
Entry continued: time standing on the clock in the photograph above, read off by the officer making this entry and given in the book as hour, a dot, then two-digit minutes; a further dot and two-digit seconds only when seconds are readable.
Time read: 9.56.15
